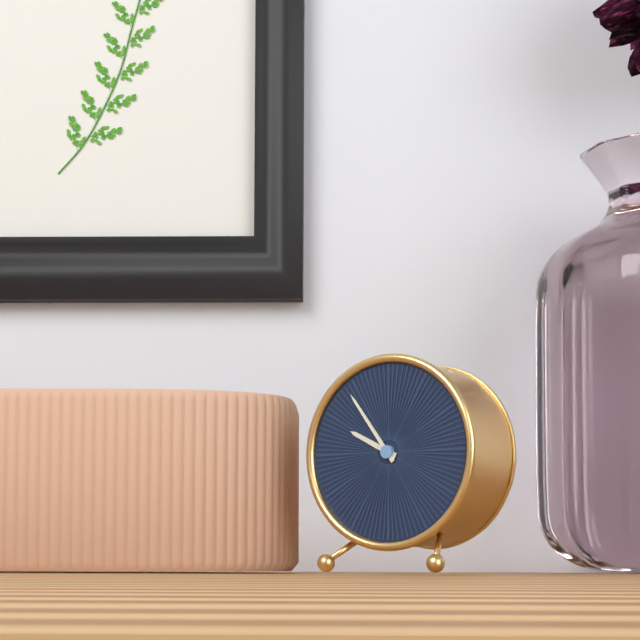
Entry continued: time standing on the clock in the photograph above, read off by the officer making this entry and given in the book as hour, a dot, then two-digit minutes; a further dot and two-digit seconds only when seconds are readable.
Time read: 9.54
